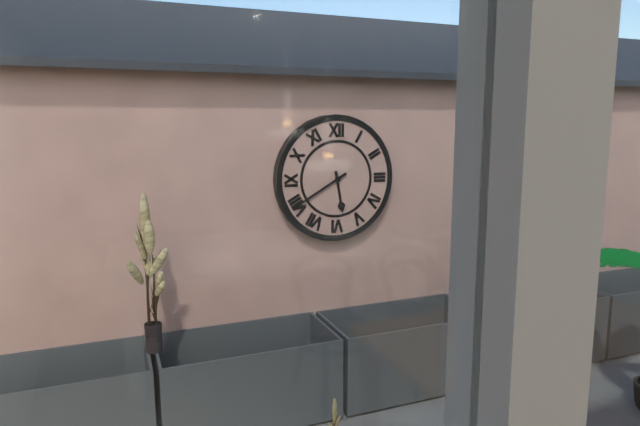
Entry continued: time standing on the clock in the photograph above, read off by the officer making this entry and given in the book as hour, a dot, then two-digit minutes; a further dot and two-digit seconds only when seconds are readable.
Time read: 5.40
